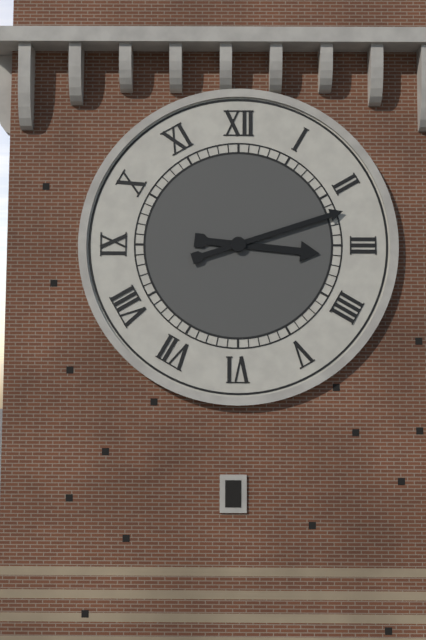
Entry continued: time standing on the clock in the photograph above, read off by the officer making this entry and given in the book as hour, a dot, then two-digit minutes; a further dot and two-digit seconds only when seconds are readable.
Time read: 3.12
